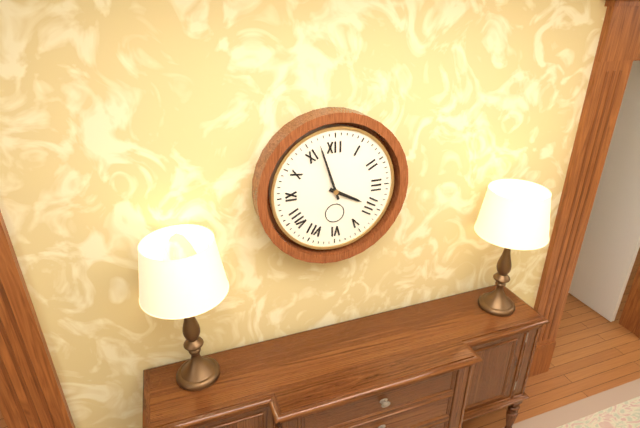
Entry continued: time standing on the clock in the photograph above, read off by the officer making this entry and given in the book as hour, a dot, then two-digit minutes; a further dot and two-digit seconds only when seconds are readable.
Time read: 3.57
